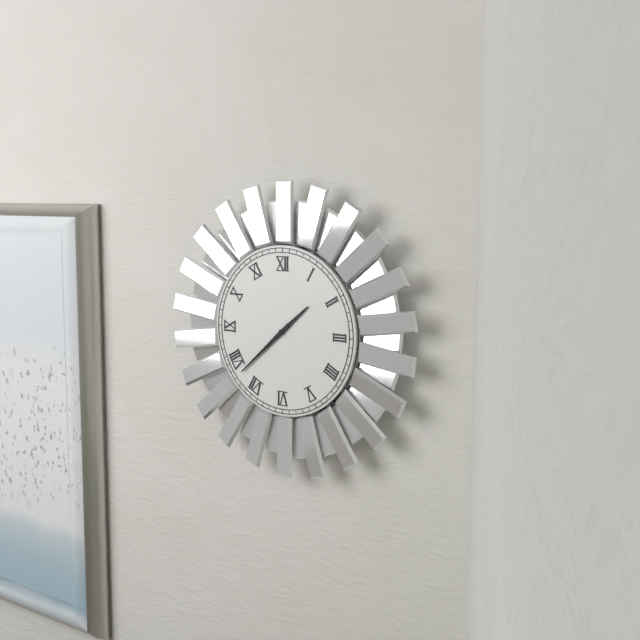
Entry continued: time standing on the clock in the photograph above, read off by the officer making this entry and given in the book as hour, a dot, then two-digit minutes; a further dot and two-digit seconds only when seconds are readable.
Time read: 1.38
